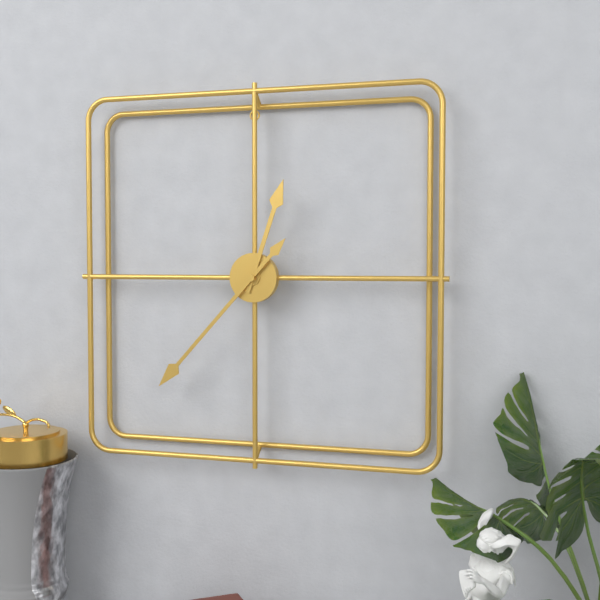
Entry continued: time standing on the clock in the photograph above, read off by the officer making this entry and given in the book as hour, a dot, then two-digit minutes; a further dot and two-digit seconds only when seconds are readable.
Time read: 12.37
